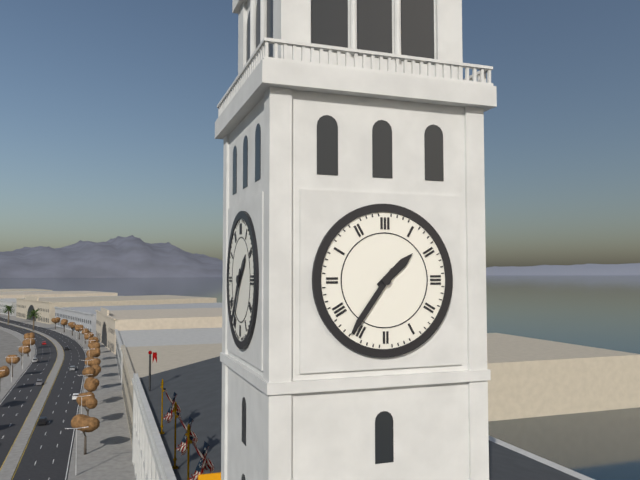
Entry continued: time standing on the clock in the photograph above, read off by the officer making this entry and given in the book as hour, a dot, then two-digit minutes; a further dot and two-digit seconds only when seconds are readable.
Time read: 1.36
